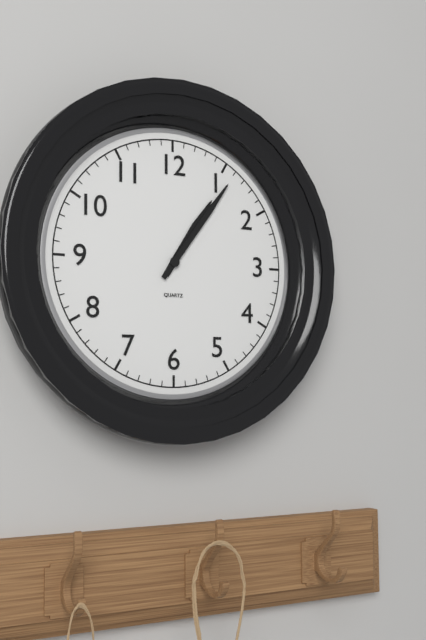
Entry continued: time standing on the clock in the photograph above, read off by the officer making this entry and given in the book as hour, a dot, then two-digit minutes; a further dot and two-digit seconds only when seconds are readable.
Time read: 1.06
